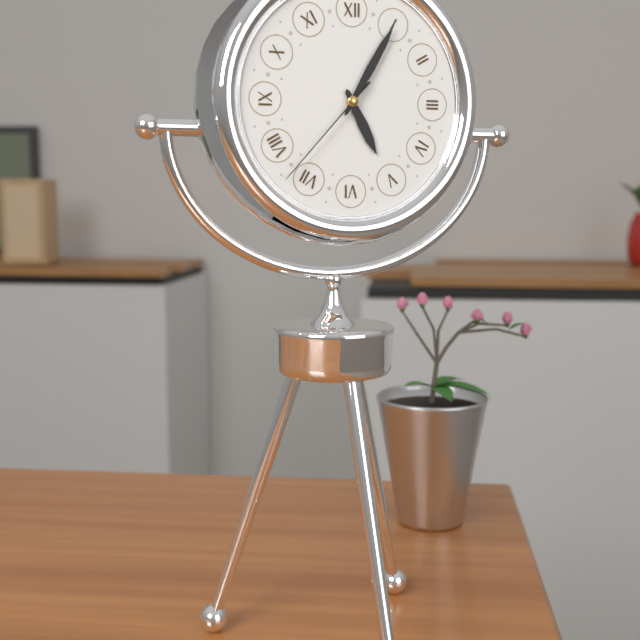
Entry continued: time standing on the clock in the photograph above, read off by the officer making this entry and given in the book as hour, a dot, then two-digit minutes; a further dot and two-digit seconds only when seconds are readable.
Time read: 5.05.37
